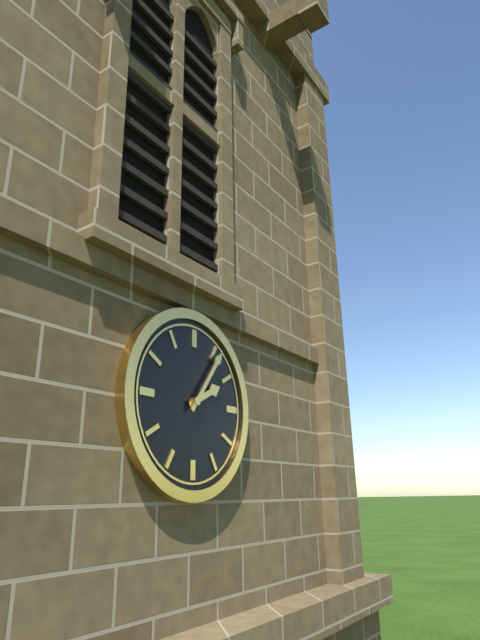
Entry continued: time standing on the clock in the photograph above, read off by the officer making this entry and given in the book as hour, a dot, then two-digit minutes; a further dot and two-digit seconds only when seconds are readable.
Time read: 2.06
